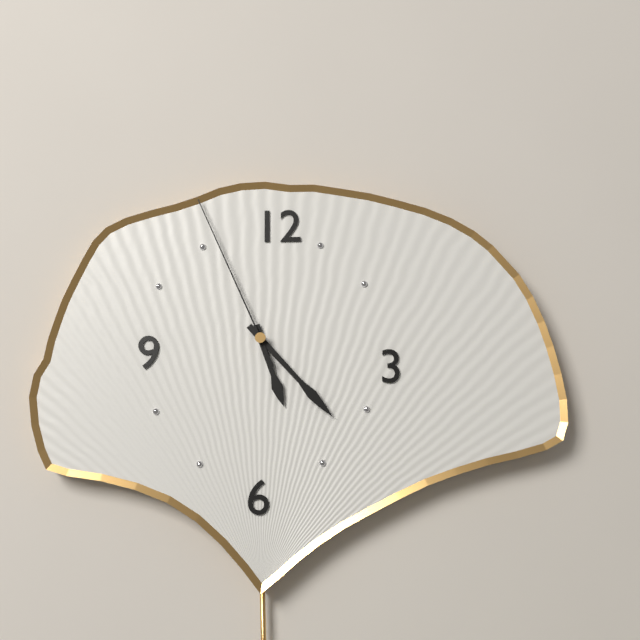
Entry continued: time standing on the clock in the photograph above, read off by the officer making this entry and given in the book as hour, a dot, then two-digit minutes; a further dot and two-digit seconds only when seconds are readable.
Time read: 5.23.56
